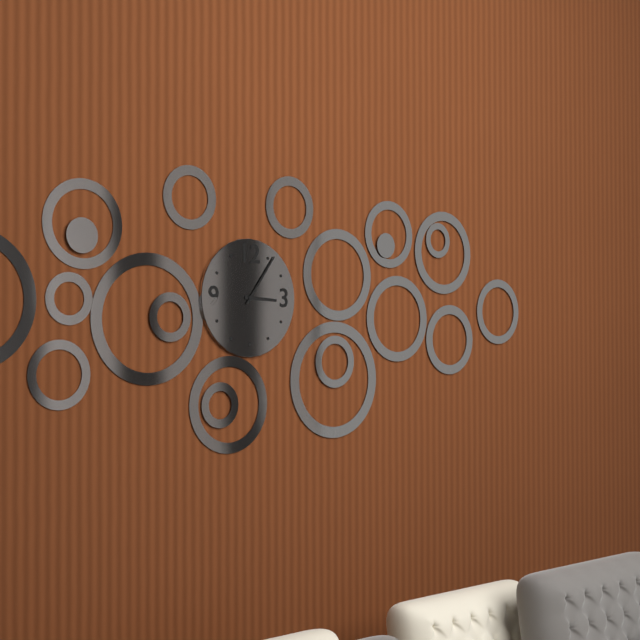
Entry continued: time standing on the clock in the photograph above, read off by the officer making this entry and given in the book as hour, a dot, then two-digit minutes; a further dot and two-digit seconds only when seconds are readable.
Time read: 3.06
